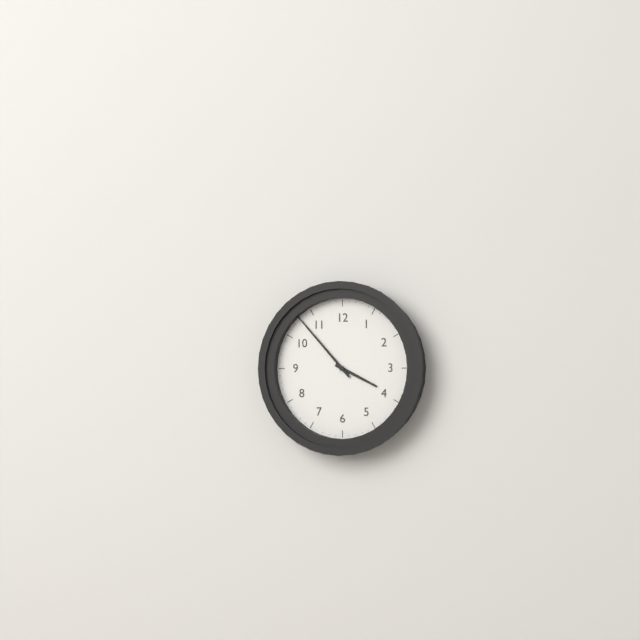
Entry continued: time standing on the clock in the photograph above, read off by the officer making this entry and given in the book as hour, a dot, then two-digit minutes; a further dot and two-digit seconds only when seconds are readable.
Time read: 3.53
